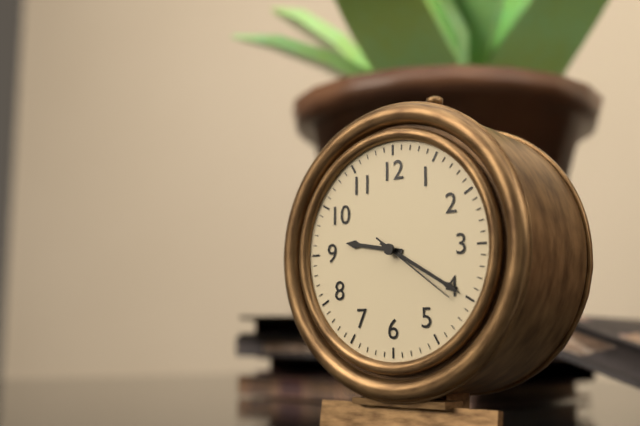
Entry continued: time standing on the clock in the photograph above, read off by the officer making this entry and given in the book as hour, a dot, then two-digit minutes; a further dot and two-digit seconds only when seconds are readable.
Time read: 9.20.21
